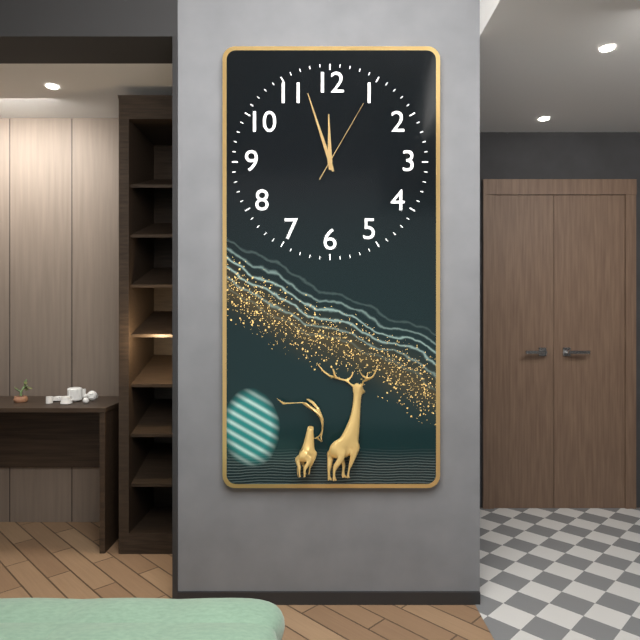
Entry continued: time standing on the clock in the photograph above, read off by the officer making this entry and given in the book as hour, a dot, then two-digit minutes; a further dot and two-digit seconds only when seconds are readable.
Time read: 11.57.05
